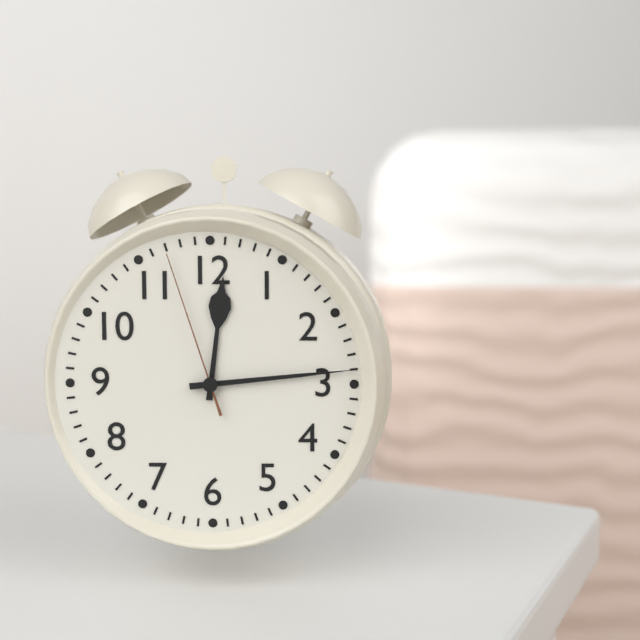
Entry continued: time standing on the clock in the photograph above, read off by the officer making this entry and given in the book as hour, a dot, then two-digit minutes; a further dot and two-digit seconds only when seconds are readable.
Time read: 12.14.57
